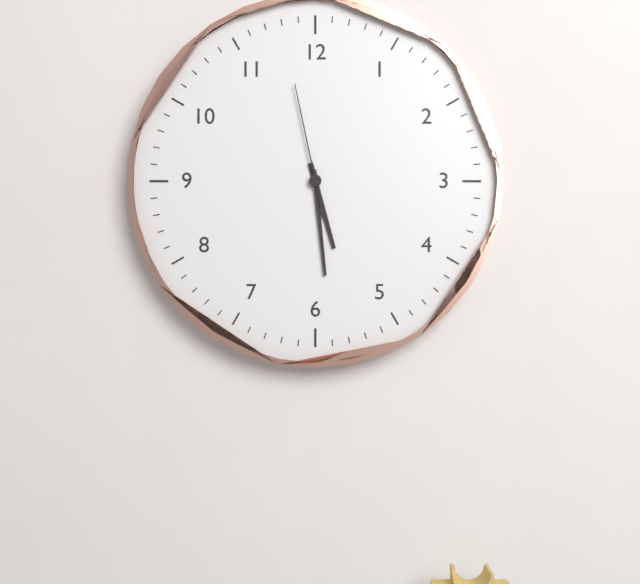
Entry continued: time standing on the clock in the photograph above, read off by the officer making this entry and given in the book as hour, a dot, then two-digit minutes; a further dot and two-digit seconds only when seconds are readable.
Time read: 5.29.58
